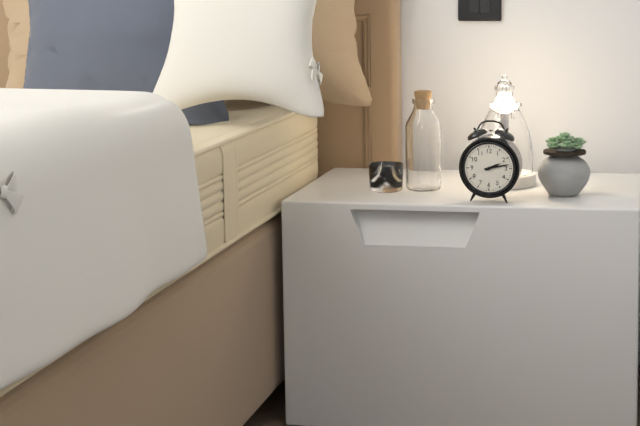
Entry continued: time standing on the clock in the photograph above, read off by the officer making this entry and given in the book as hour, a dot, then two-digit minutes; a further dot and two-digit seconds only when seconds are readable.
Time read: 2.13
